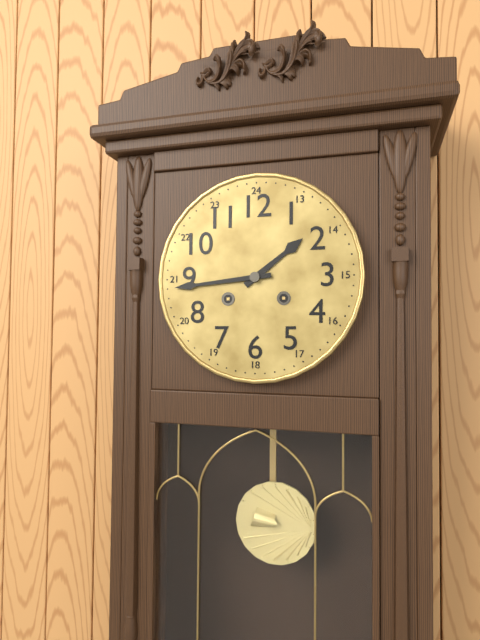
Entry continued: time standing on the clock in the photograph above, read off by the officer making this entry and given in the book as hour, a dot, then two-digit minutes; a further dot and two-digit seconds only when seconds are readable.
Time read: 1.44
